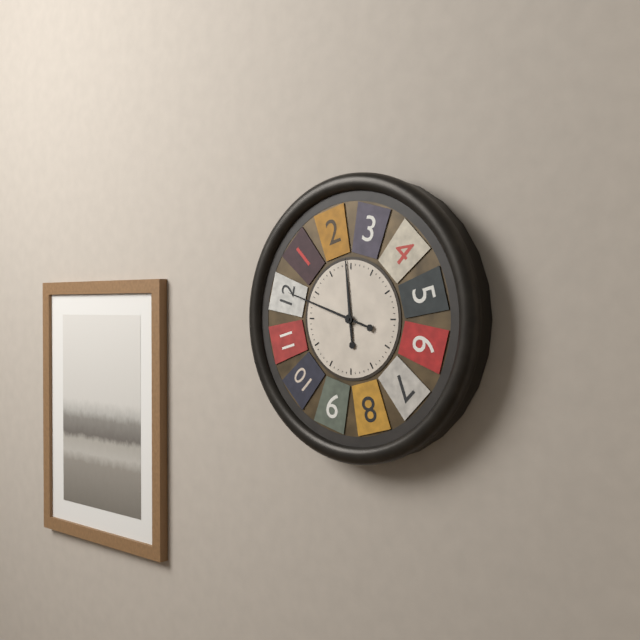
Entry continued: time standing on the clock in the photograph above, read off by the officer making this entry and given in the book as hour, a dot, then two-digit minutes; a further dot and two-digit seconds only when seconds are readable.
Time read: 11.48
